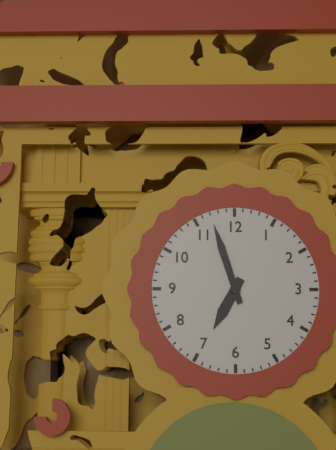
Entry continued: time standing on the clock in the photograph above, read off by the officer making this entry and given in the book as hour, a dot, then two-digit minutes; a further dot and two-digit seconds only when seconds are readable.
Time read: 6.57
